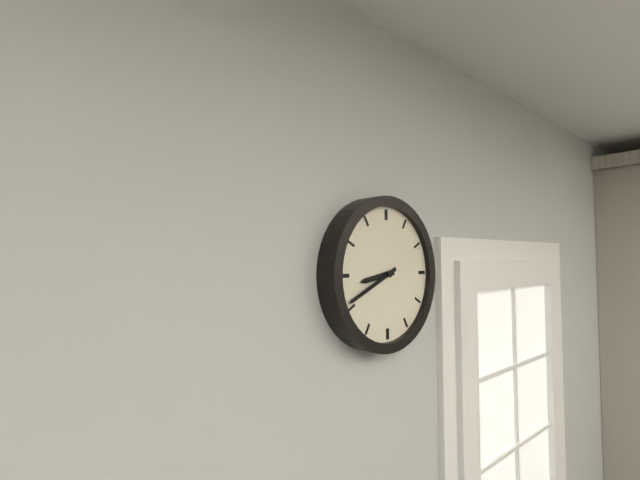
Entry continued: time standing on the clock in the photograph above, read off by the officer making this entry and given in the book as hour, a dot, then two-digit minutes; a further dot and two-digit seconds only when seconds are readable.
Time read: 8.41
